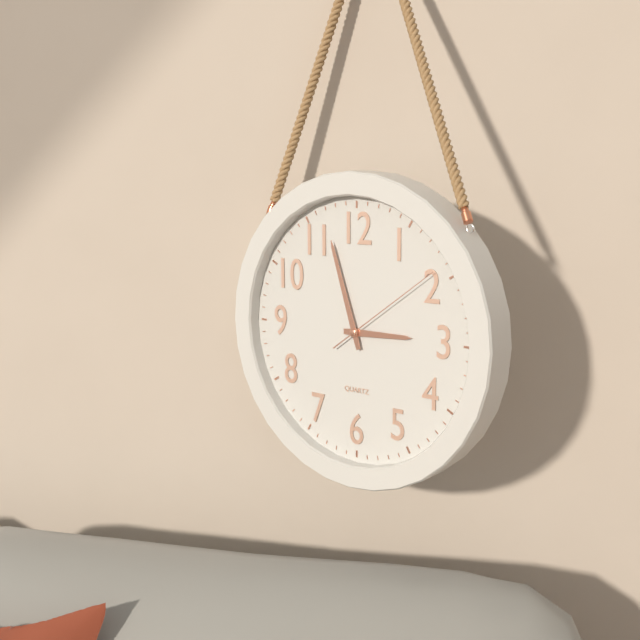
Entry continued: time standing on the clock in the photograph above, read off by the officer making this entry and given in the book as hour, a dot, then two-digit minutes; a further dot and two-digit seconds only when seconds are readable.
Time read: 2.57.09
